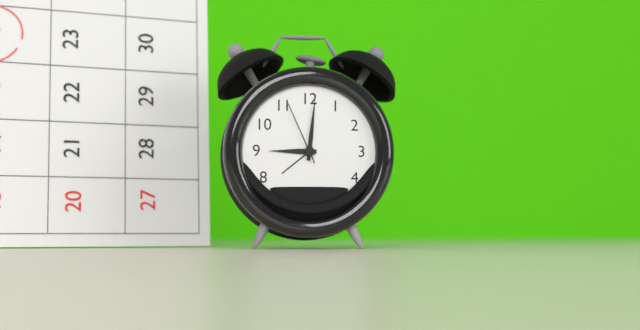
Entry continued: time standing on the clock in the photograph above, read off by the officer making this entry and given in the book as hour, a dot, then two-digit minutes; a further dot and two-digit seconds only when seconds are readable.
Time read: 9.01.56
